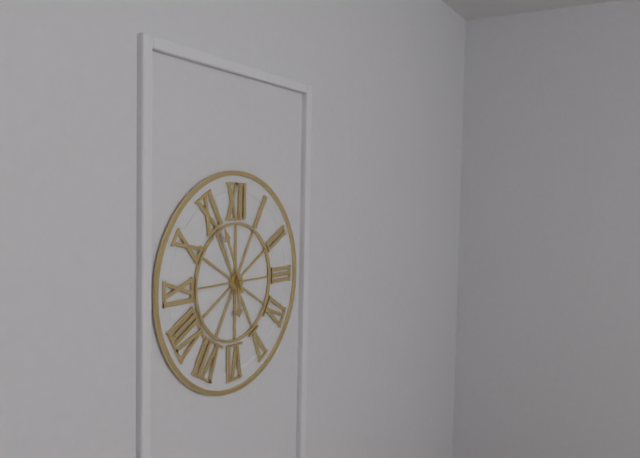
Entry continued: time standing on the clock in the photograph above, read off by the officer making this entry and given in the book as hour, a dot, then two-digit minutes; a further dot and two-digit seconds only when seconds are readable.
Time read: 5.56
